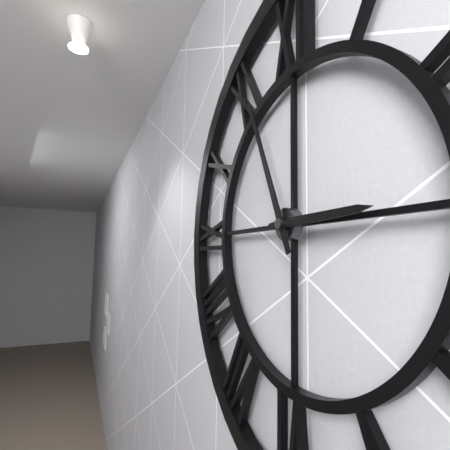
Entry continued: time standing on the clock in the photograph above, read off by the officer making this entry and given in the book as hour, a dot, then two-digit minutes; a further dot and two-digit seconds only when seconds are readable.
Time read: 2.56
